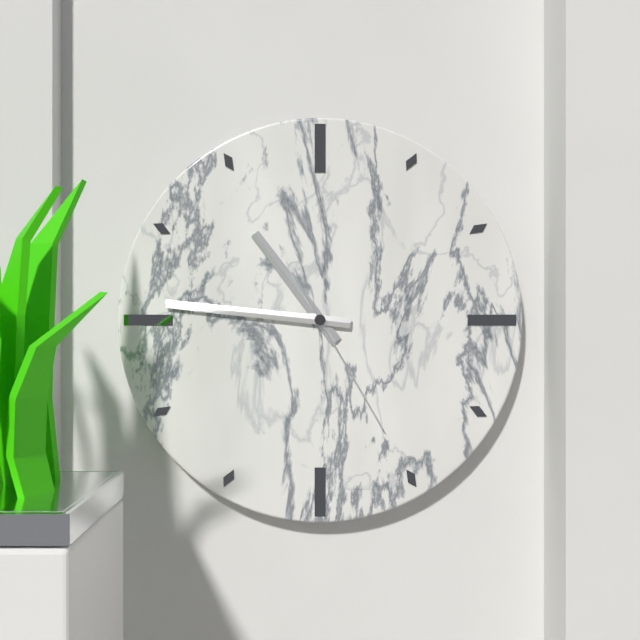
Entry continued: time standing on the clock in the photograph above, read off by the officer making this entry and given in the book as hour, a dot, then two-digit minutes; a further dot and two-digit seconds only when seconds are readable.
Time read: 10.46.25
